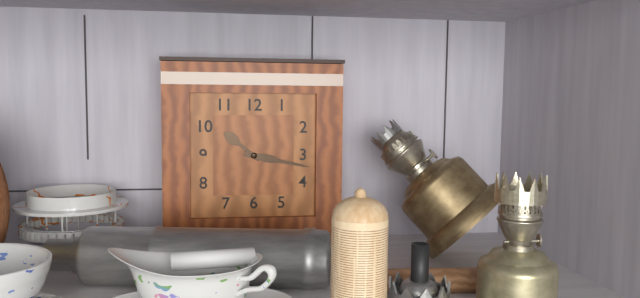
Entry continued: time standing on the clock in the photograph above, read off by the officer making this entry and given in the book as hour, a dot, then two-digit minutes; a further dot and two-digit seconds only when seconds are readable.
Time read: 10.17
